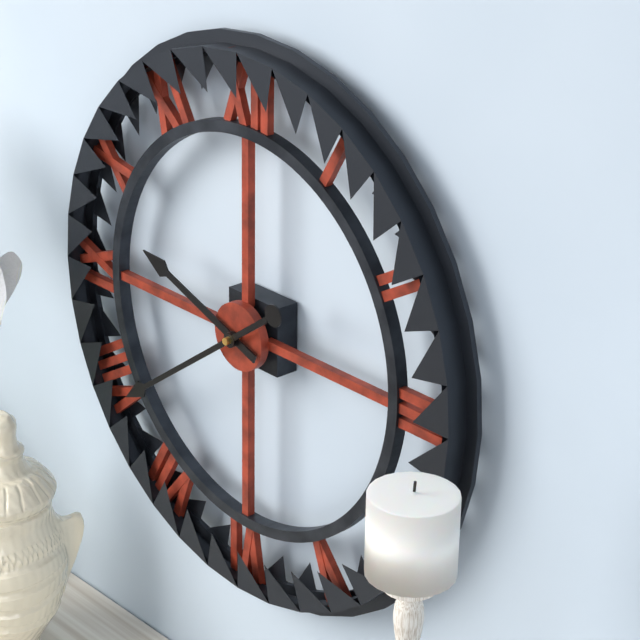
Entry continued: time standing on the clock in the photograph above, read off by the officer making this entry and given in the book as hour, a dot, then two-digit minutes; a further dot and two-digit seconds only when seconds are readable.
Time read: 9.39
